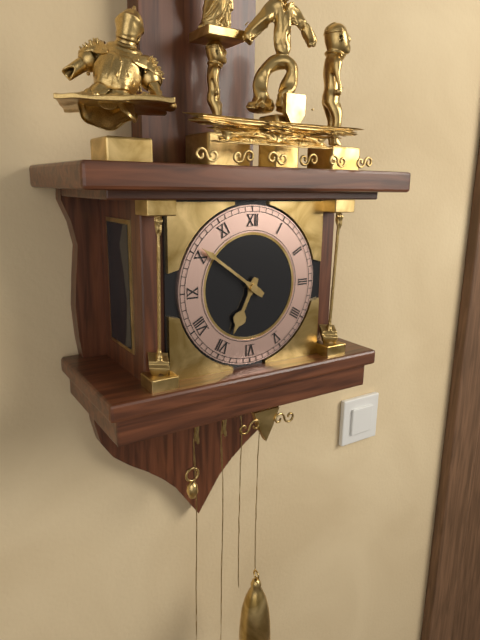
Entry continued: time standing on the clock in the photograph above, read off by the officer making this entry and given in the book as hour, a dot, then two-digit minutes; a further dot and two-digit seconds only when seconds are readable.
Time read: 6.51
